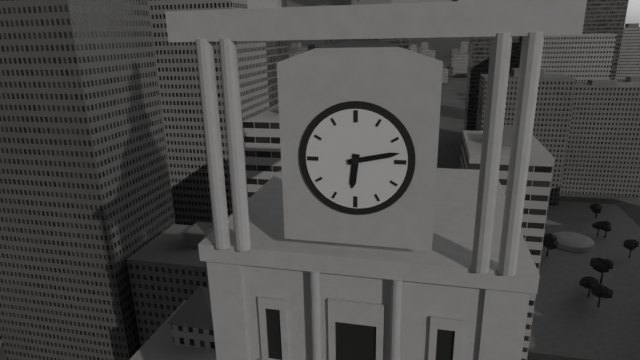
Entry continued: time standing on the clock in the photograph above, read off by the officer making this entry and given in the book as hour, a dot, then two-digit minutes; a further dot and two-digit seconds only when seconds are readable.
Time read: 6.13
